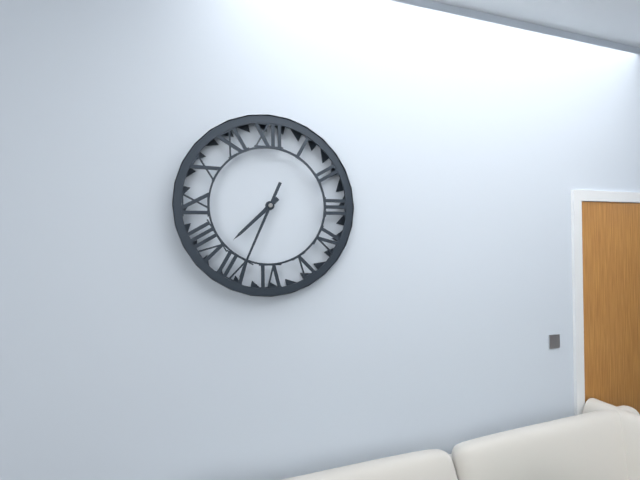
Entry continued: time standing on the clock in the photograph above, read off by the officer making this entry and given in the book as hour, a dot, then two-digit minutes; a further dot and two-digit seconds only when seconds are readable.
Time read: 7.34
